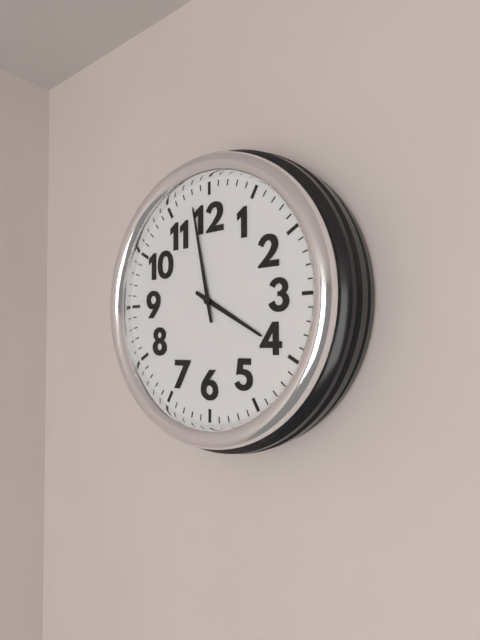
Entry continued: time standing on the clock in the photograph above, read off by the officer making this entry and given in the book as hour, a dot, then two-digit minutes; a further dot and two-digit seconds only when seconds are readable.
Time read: 3.58
